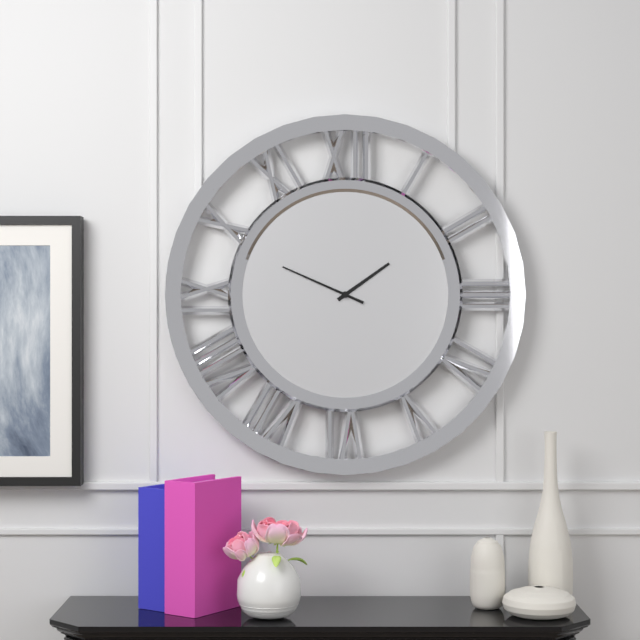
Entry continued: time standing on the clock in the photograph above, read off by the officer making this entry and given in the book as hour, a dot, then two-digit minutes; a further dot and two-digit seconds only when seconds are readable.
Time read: 1.49
